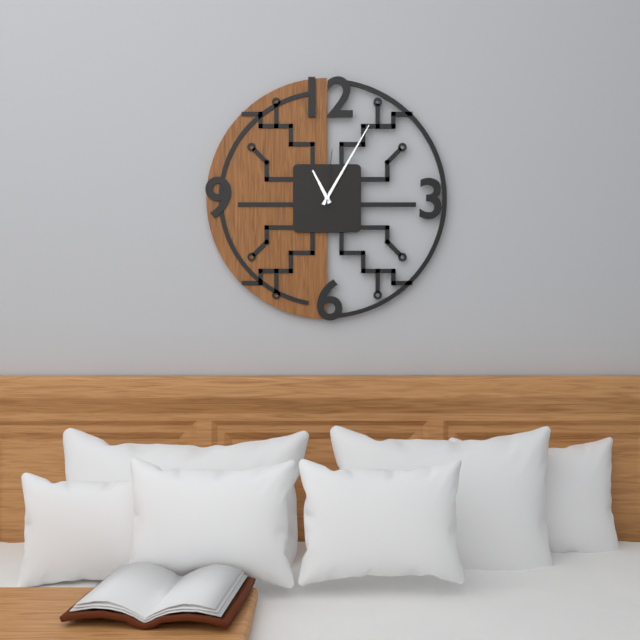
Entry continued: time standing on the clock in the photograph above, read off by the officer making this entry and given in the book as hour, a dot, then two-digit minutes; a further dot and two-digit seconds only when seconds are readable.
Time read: 11.05.01
